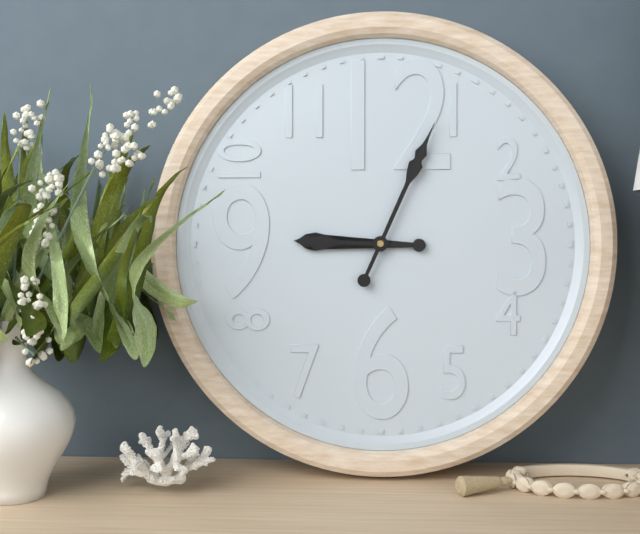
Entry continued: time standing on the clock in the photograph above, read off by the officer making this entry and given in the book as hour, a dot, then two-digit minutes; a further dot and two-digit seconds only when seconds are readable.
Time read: 9.04
